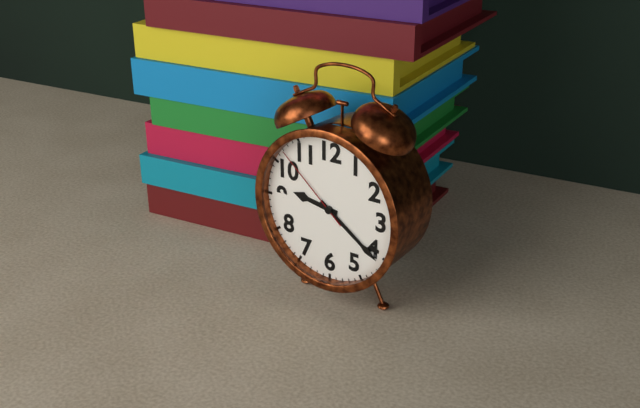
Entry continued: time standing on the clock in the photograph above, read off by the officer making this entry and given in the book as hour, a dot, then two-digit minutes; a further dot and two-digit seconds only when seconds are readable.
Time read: 9.21.52
